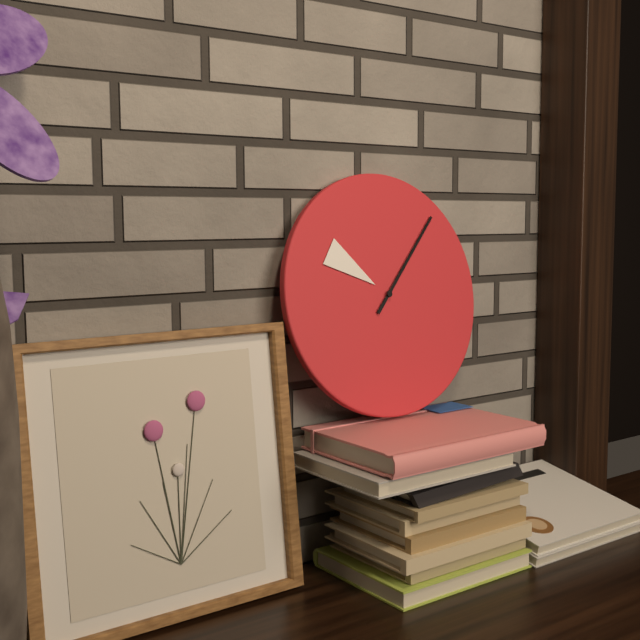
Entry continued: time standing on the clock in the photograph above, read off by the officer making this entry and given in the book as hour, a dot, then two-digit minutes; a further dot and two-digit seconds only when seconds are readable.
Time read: 10.07
